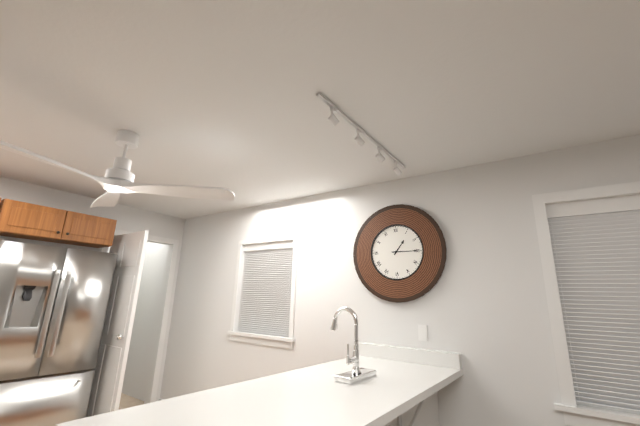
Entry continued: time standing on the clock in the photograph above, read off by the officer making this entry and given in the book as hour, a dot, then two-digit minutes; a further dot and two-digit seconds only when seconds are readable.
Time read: 1.15
